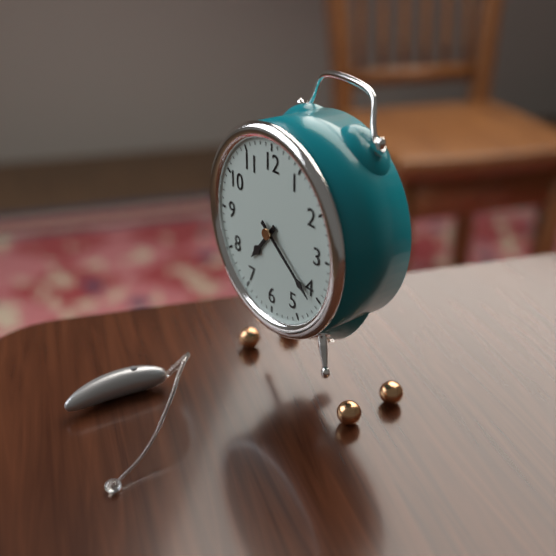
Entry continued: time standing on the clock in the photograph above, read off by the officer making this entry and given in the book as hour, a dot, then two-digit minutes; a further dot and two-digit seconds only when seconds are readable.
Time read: 7.21
